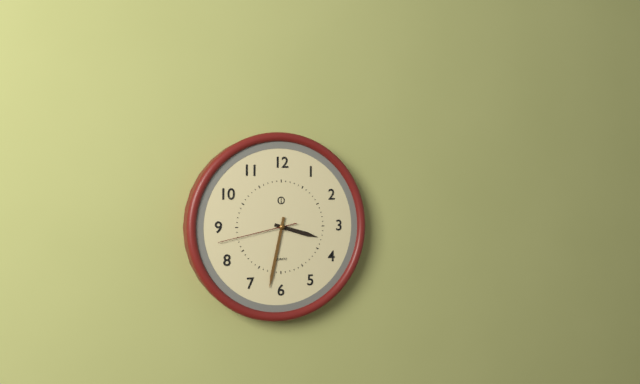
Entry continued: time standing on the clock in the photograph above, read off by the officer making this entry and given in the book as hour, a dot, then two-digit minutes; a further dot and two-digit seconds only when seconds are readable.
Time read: 3.32.43
